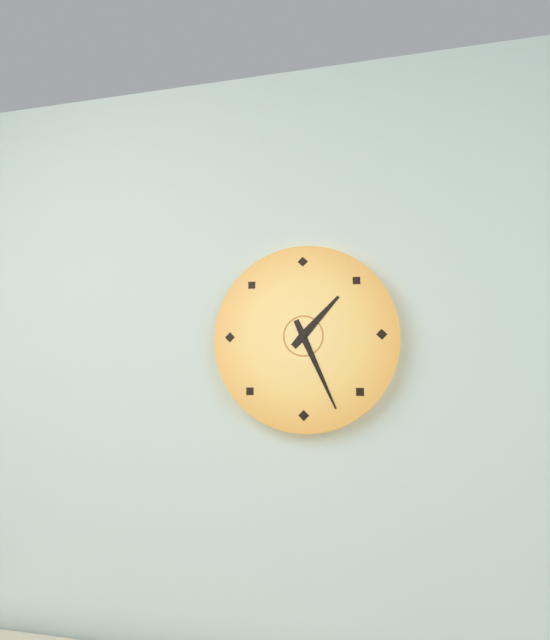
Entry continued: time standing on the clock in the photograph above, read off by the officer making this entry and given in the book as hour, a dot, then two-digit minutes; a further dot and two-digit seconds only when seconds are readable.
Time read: 1.26
